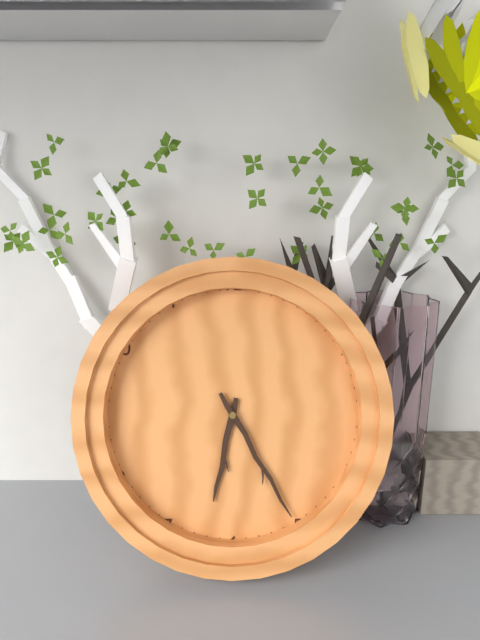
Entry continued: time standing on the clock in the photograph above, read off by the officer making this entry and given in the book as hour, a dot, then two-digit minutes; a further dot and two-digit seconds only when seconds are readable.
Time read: 6.25
